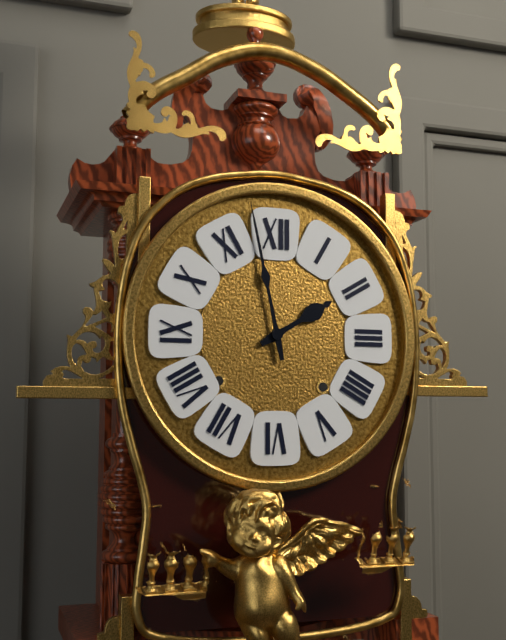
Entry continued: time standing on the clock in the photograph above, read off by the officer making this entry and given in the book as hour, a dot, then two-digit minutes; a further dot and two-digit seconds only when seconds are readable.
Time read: 1.58
